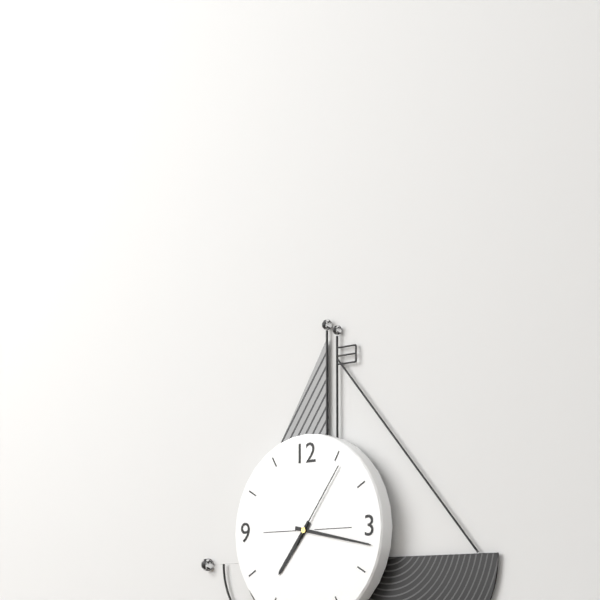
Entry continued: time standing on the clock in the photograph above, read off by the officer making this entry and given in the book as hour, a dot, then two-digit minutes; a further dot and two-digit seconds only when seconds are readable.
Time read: 7.17.06
